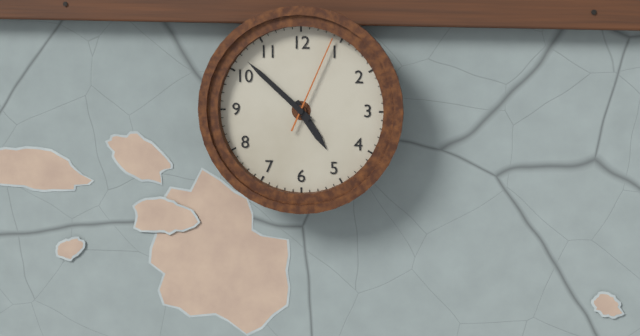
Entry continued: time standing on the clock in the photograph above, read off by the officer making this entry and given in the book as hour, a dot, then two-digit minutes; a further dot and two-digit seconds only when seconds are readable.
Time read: 4.52.04
